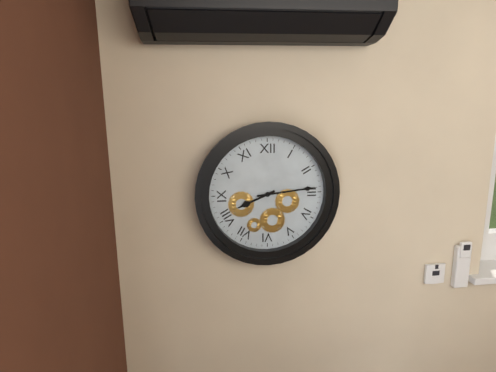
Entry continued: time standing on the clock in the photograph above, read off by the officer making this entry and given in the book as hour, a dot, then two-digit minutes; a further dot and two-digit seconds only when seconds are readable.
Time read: 8.14
